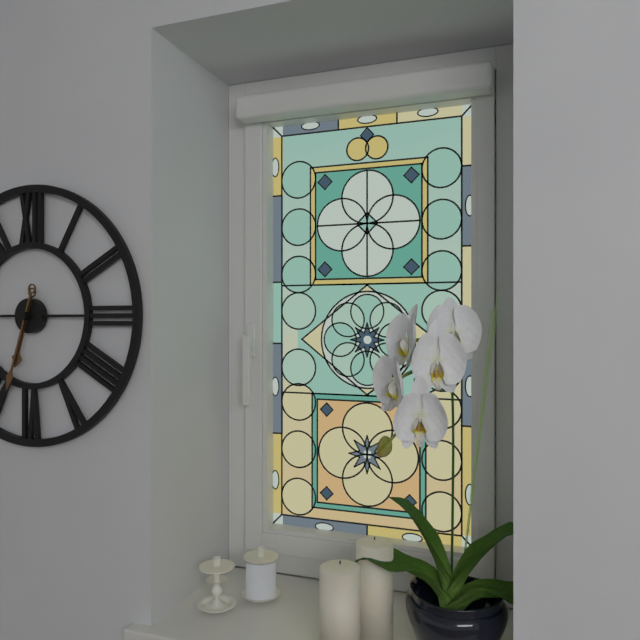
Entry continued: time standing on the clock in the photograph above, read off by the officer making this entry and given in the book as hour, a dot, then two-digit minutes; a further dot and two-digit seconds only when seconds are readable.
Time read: 6.33
